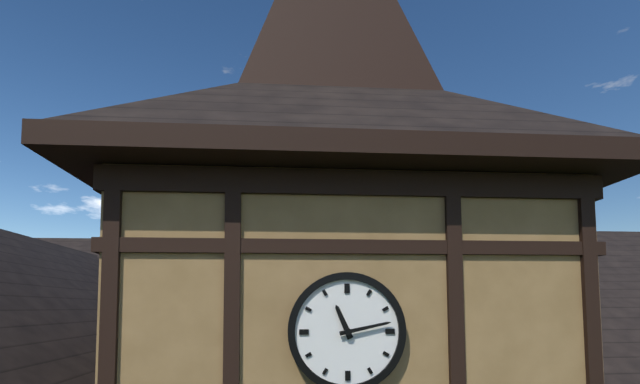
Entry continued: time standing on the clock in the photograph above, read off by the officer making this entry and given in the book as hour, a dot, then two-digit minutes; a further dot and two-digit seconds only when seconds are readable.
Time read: 11.13
